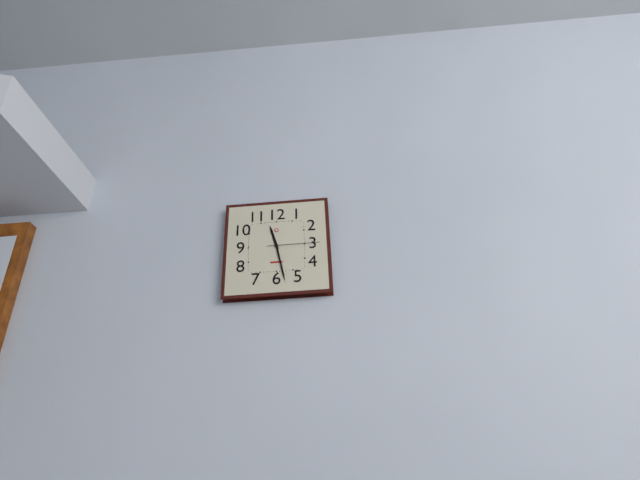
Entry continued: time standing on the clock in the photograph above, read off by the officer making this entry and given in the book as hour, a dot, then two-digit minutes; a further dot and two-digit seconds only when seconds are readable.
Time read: 11.28.15
